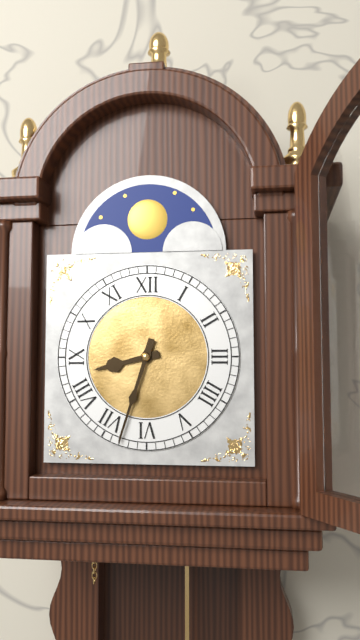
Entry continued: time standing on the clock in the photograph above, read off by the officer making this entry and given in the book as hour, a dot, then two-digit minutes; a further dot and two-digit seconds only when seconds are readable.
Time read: 8.33
